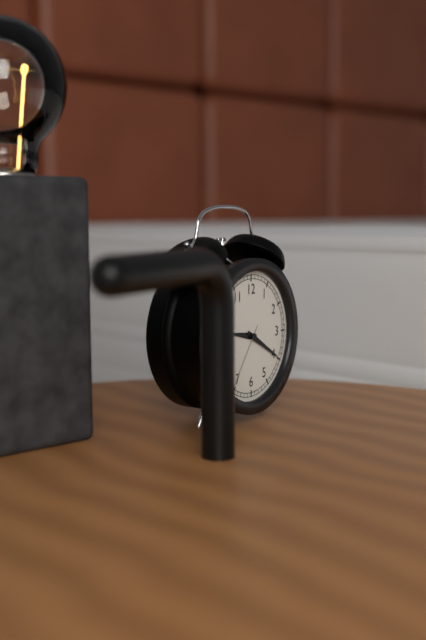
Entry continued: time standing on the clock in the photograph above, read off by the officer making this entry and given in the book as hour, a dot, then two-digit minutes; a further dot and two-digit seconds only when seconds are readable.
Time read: 9.20.36
